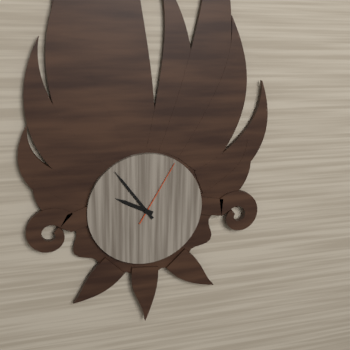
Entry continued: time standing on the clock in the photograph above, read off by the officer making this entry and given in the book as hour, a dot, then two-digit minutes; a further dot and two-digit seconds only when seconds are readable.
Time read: 9.54.05
